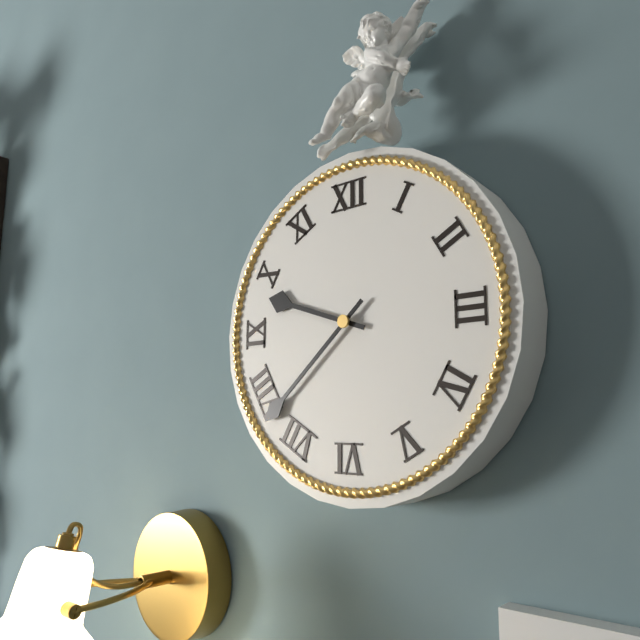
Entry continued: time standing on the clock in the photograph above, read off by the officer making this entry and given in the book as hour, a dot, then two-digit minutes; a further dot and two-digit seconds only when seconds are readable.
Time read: 9.38
